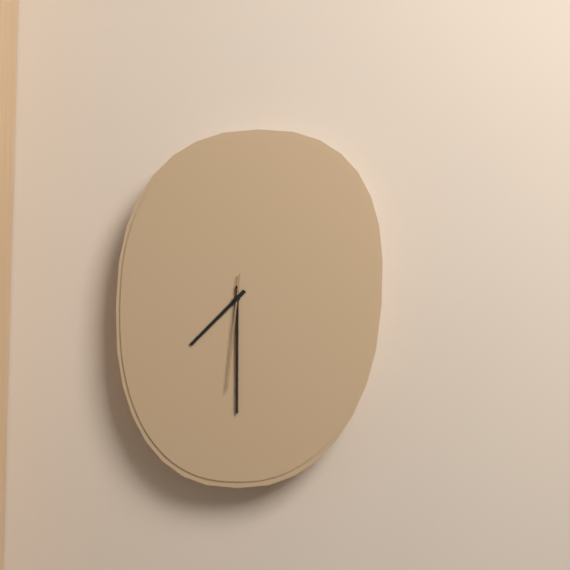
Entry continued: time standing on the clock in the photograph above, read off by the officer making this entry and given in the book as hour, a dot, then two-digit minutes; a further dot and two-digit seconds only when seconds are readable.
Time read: 7.30.31
